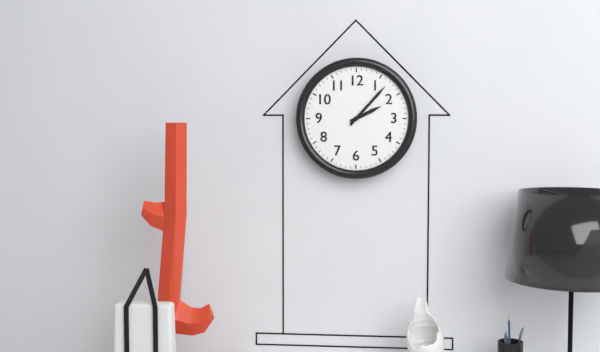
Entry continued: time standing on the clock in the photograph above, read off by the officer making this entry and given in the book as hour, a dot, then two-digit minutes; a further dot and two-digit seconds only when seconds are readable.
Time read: 2.07
